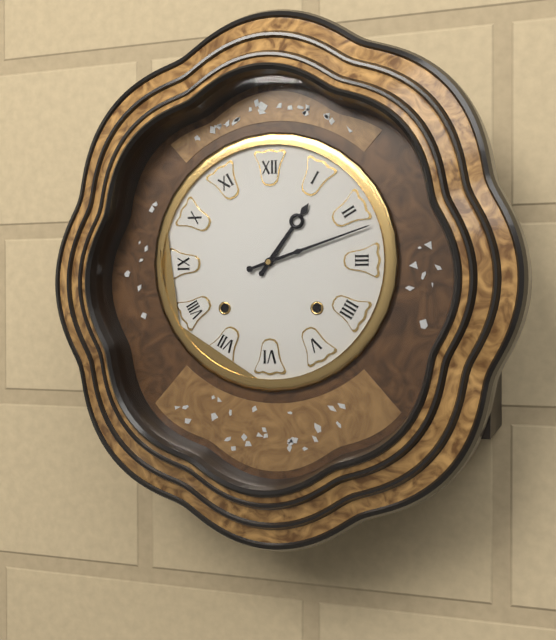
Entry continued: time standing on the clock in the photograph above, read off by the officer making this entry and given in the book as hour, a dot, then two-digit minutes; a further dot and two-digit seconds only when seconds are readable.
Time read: 1.12
